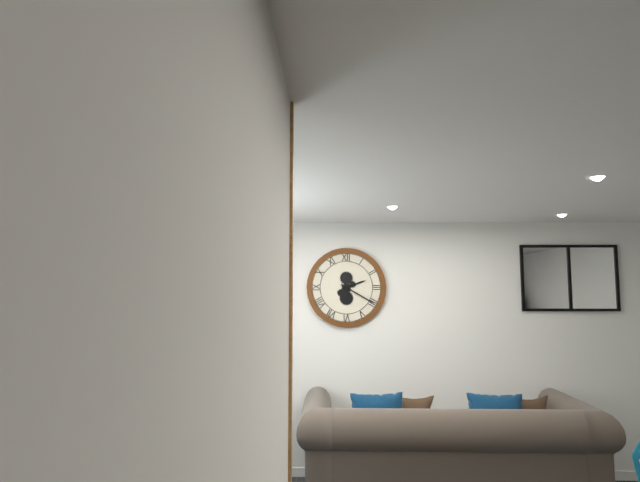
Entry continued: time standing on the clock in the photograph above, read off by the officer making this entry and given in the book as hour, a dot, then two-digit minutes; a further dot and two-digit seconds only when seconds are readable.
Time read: 2.20
